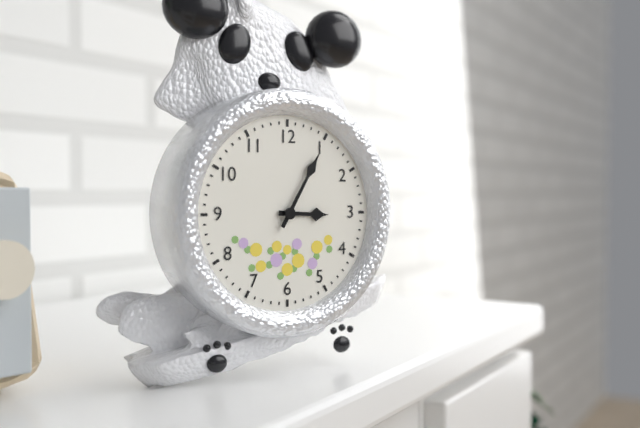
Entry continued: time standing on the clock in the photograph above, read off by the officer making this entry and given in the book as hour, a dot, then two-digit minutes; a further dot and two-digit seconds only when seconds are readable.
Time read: 3.05
